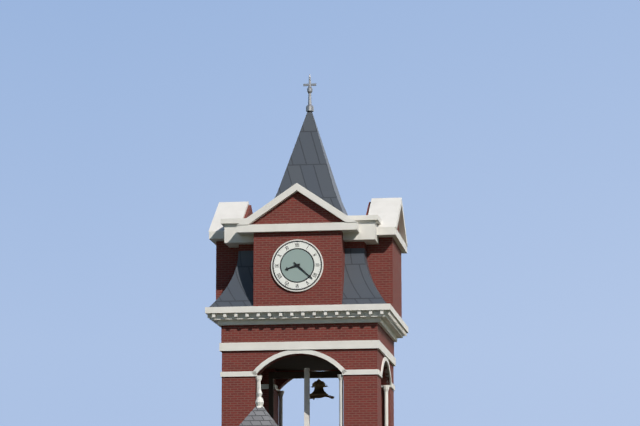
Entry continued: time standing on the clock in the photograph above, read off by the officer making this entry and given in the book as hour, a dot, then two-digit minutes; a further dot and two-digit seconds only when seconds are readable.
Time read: 8.22
